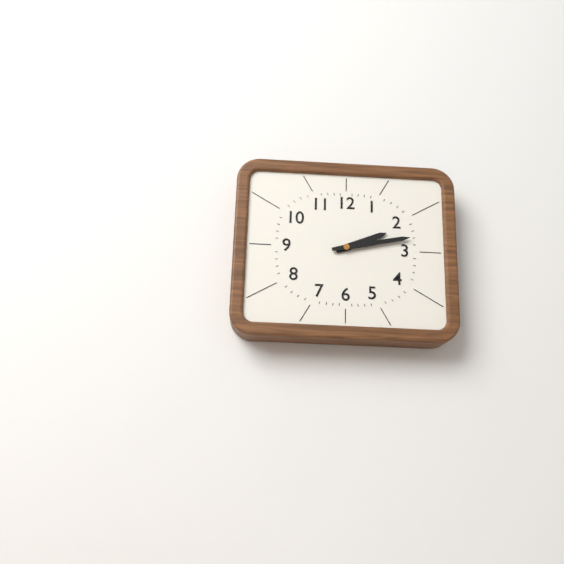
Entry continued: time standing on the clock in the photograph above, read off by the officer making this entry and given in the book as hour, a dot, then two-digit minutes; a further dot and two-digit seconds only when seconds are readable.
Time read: 2.13
